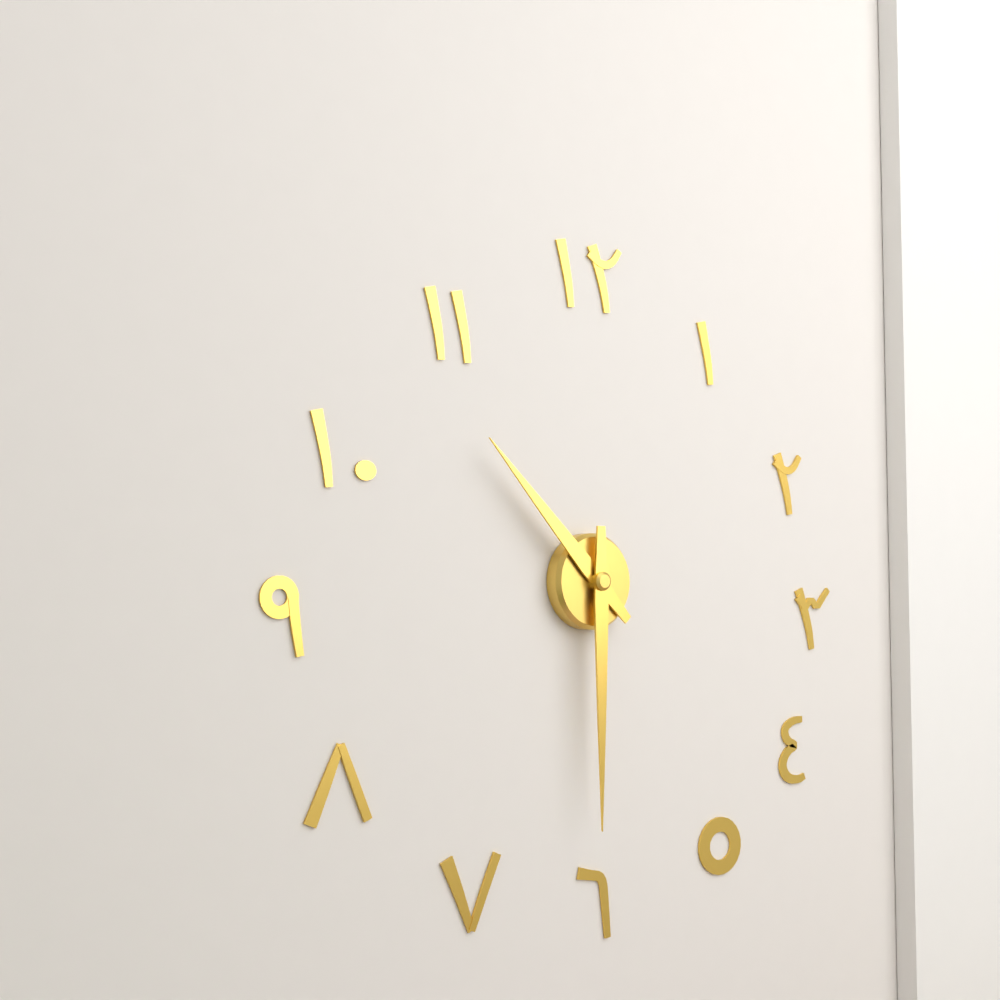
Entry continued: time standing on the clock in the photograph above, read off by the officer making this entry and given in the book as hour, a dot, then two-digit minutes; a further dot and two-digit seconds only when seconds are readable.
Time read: 10.30
